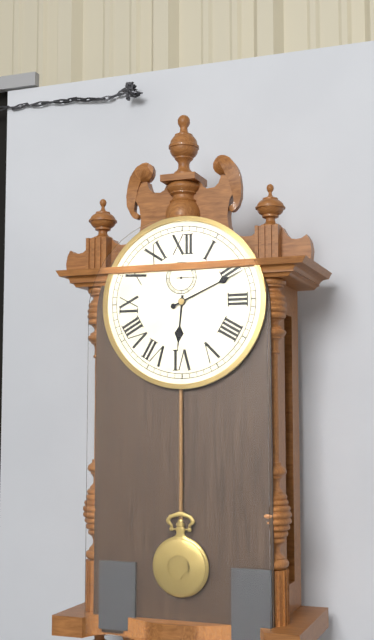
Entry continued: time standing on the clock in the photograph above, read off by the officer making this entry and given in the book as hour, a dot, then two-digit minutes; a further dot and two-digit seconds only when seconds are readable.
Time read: 6.11
